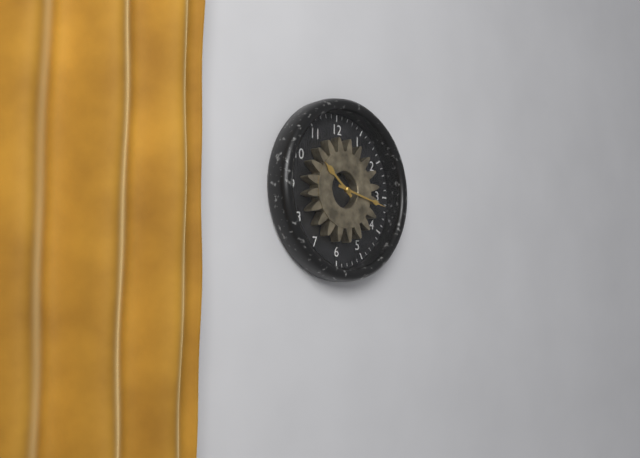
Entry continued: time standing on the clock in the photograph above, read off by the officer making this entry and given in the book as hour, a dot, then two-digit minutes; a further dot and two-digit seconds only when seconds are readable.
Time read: 10.17
